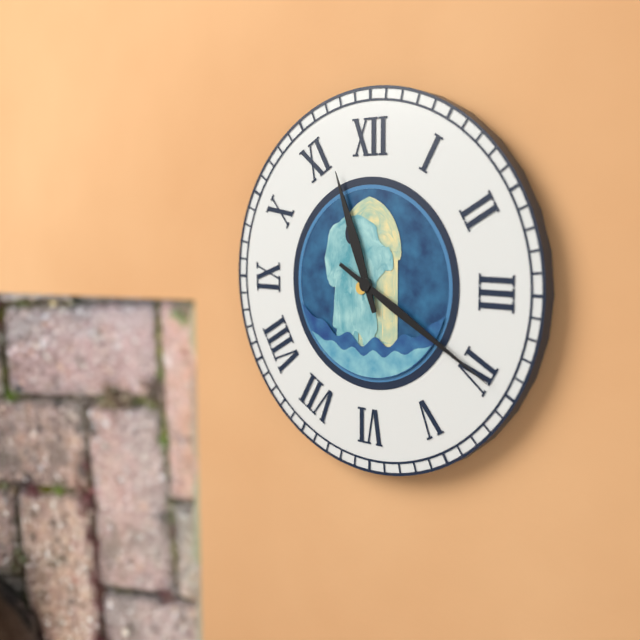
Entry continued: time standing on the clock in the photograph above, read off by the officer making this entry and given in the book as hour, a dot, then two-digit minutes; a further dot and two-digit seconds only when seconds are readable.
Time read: 11.20
